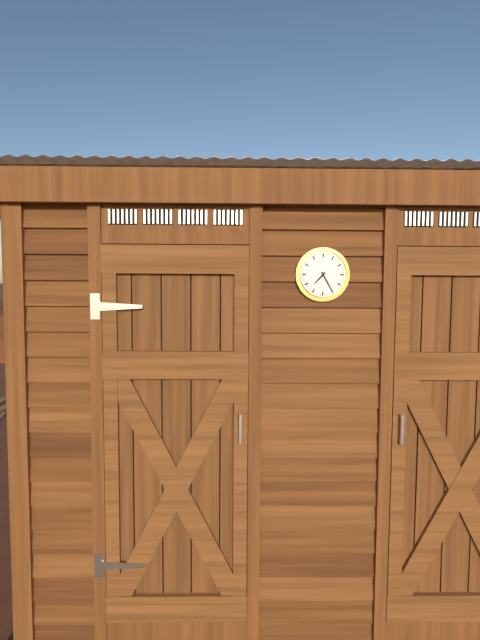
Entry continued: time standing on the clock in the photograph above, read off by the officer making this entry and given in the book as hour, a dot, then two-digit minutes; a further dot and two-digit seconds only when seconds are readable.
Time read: 7.25
